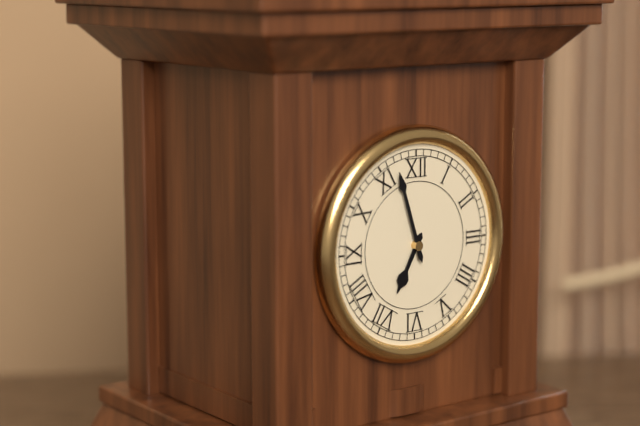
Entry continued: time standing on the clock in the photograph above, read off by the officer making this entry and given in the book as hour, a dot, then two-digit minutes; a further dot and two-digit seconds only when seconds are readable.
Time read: 6.57
